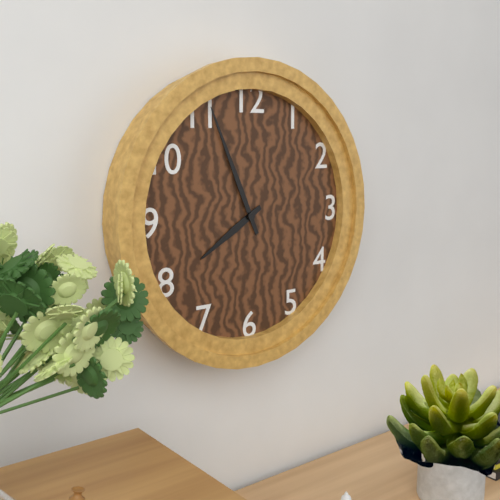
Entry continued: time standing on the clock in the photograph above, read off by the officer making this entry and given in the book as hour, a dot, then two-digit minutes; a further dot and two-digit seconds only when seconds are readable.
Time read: 7.56
